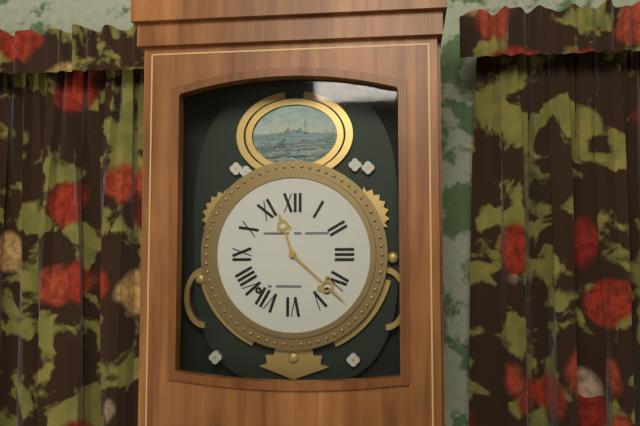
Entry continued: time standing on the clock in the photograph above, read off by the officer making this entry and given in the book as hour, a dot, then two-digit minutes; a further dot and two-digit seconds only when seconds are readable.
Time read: 11.22
